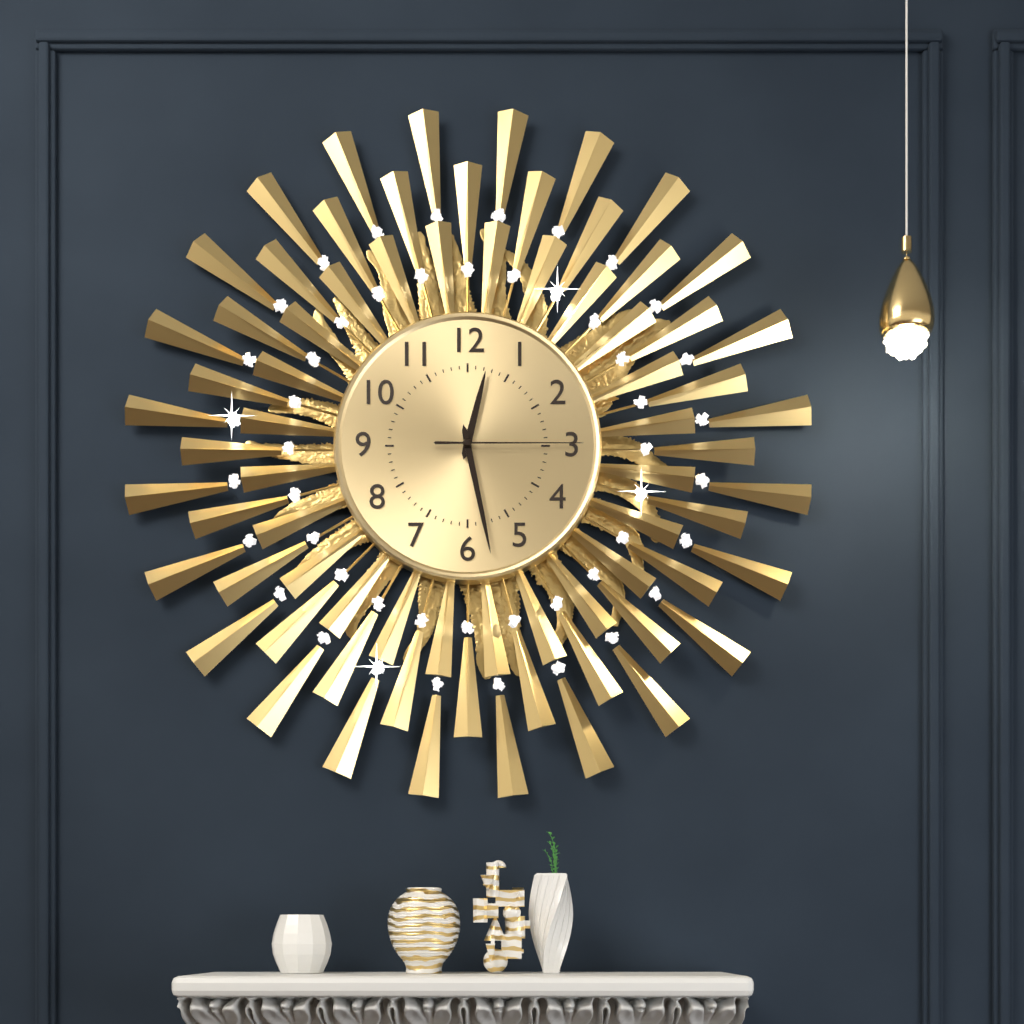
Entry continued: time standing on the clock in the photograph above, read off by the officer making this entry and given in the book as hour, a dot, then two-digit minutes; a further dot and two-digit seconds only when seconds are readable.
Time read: 12.28.15
